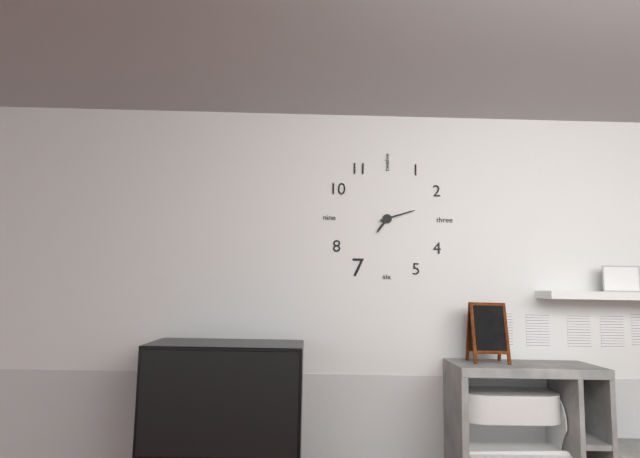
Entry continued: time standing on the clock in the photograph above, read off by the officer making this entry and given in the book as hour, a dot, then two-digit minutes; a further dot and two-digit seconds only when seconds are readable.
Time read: 7.12
